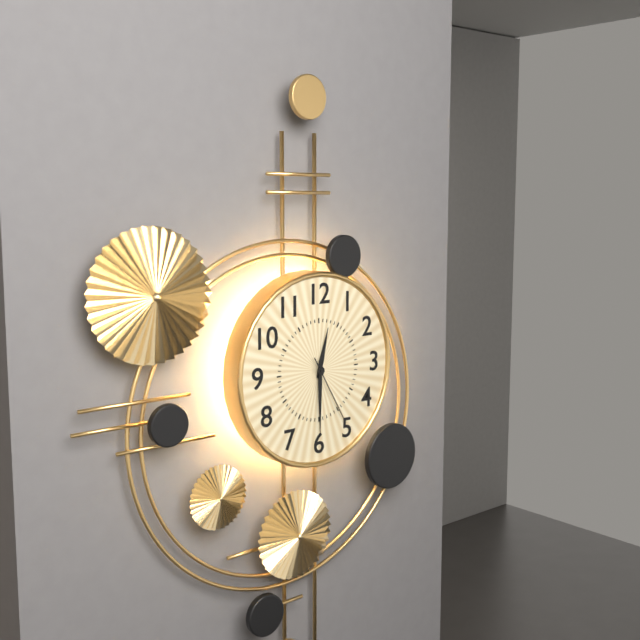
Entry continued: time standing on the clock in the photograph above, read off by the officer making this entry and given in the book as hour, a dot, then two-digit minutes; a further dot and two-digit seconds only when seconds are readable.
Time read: 12.30.25
